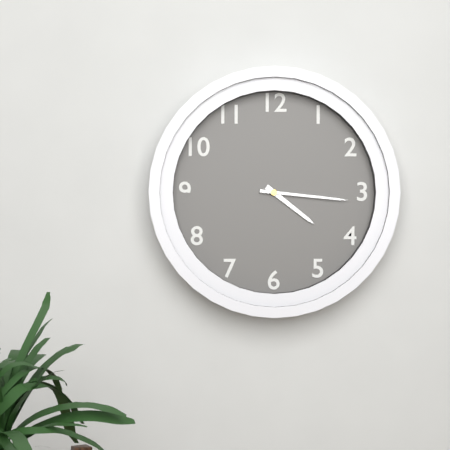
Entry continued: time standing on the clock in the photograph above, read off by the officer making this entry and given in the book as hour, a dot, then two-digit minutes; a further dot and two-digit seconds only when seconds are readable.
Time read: 4.16
